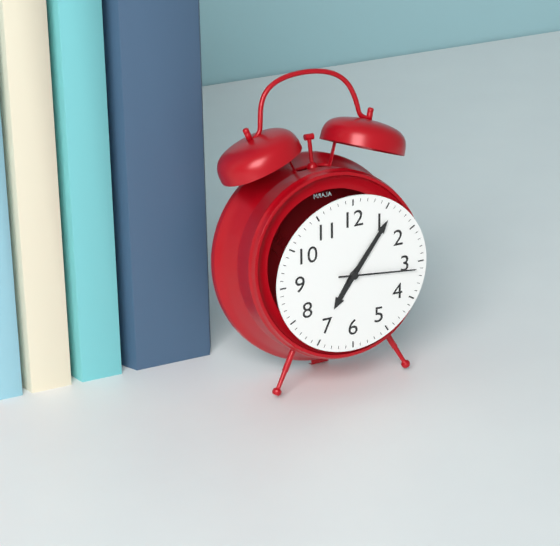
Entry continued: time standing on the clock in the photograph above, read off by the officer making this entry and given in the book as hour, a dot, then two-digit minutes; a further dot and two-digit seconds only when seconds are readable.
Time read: 7.06.16
